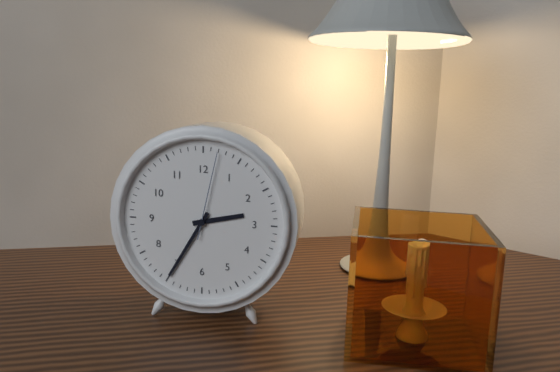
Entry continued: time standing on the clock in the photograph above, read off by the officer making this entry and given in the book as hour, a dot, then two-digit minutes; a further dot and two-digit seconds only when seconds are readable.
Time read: 2.35.02
